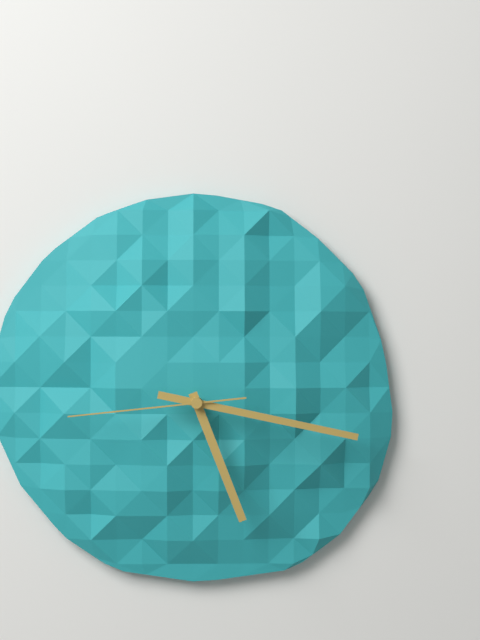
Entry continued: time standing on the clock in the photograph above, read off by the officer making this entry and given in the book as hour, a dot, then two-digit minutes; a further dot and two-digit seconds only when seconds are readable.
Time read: 5.17.44
